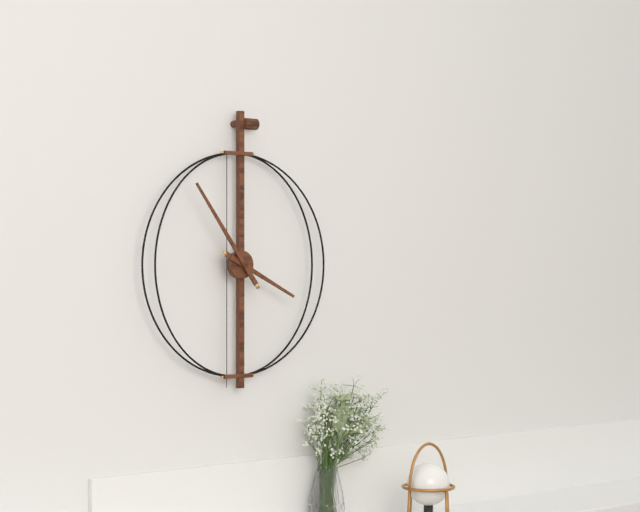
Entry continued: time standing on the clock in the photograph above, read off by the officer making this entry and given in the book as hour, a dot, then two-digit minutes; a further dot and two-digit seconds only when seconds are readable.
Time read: 3.54
